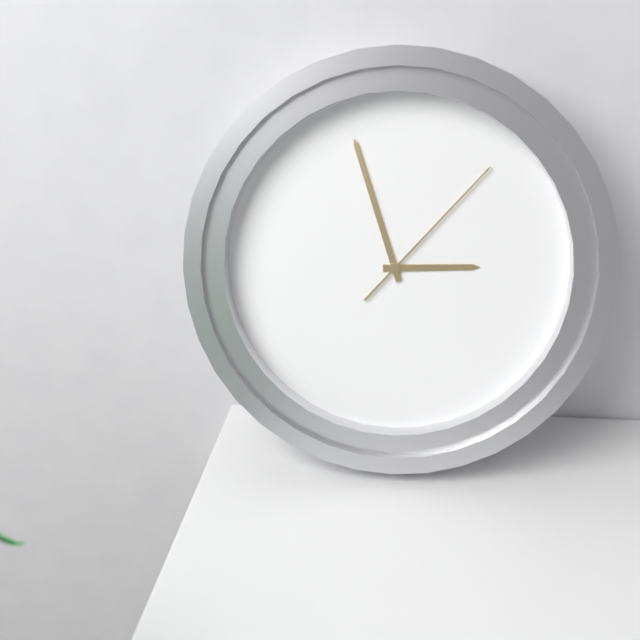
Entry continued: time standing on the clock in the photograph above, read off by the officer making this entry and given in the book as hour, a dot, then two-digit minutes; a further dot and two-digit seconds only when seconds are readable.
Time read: 2.57.07
